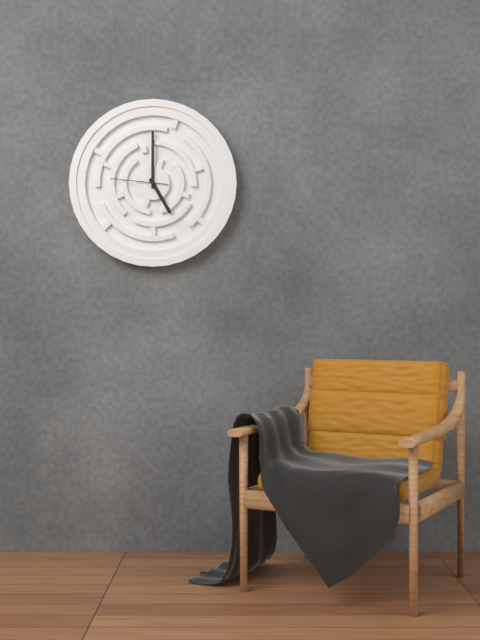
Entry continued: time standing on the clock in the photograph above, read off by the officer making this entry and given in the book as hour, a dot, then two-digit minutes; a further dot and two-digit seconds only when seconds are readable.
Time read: 5.00.46
